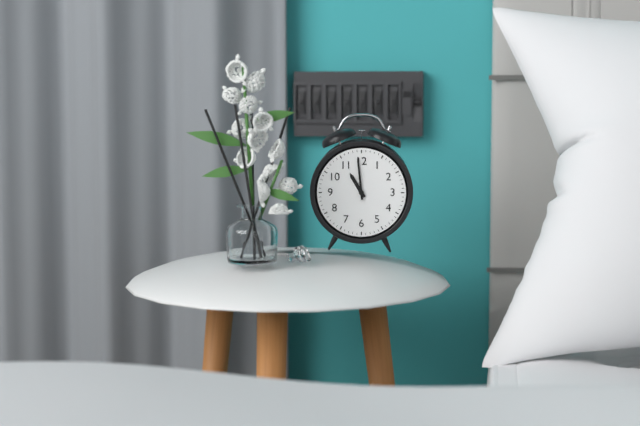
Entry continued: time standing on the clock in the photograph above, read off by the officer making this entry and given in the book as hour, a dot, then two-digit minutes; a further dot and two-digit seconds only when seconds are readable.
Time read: 10.59
